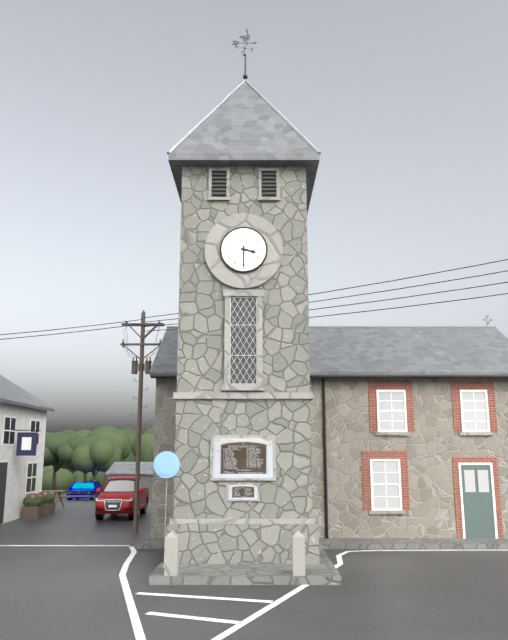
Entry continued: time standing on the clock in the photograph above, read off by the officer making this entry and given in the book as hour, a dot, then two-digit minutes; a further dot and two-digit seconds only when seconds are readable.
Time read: 3.30
